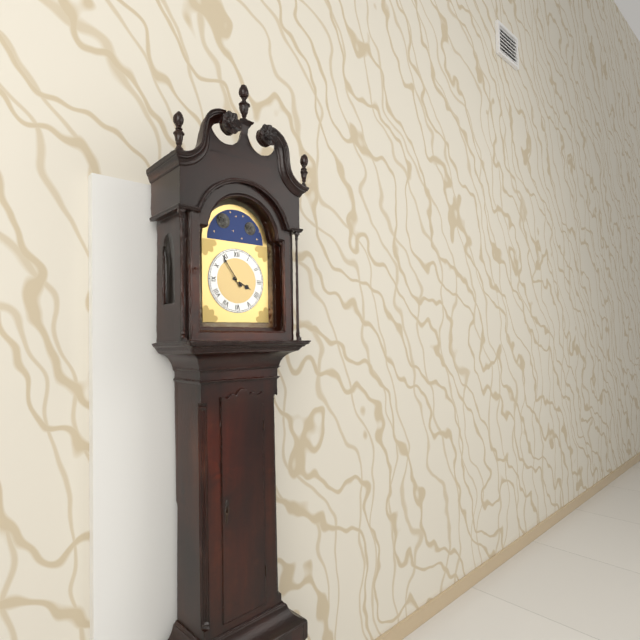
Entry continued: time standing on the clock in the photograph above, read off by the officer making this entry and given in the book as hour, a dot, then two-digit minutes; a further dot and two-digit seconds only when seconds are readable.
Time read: 3.54
